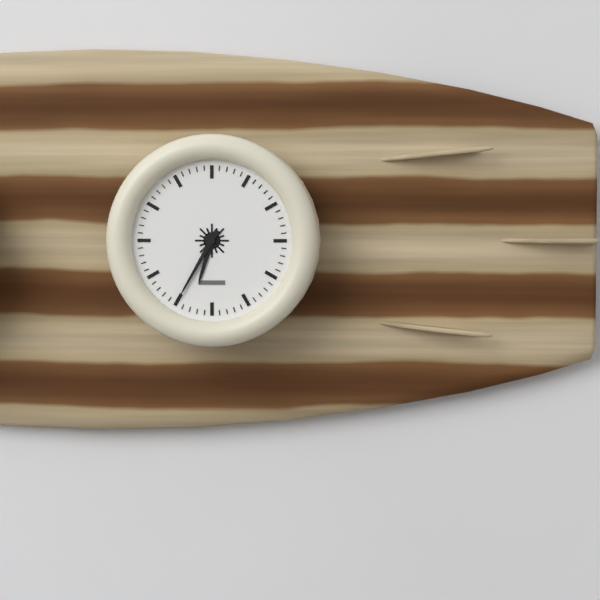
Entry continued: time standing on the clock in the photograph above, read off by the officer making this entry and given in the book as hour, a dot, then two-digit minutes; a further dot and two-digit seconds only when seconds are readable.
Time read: 6.35
